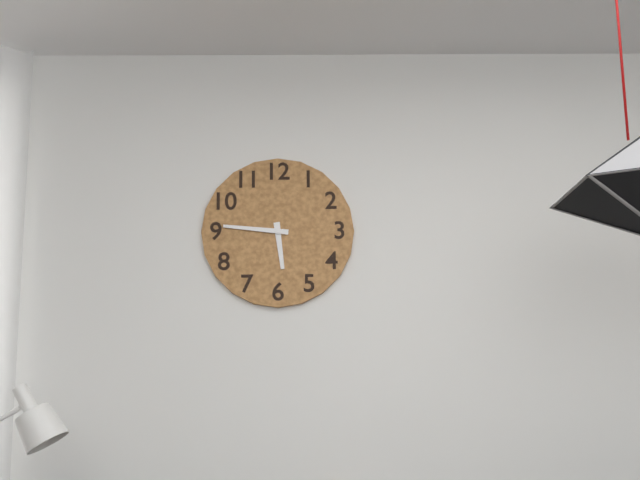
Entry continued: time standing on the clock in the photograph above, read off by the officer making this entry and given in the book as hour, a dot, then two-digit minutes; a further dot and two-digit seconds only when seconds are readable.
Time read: 5.46
